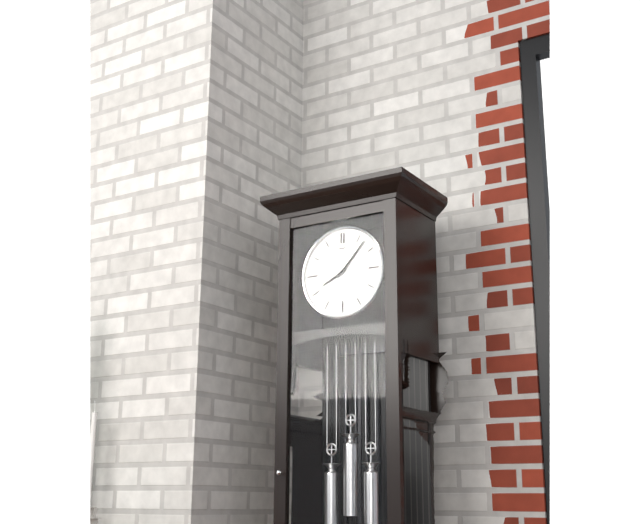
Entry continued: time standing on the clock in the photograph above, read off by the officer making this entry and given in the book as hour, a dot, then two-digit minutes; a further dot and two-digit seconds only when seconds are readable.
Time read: 8.07
